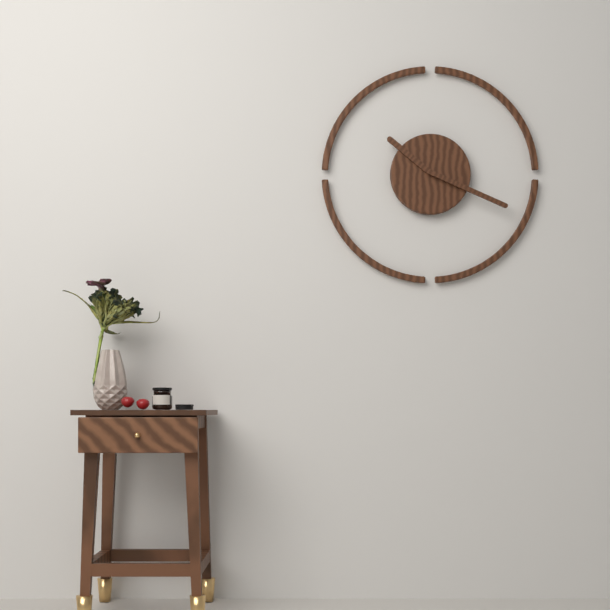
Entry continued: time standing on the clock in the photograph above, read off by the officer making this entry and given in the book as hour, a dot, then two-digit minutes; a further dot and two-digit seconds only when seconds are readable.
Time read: 10.19
